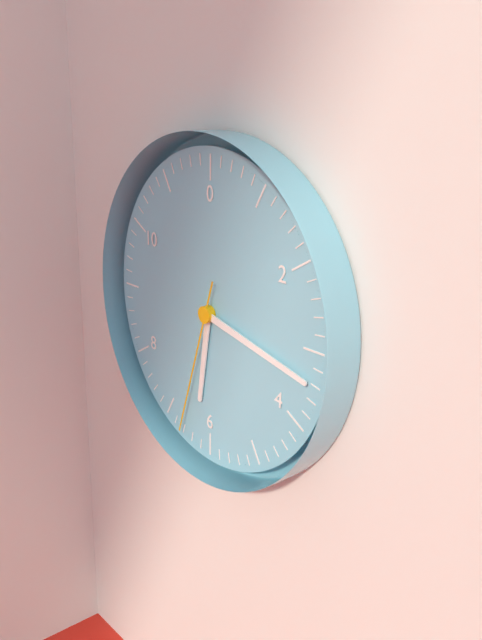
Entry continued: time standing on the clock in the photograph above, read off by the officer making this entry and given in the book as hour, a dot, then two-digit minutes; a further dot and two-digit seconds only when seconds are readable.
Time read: 6.17.33
